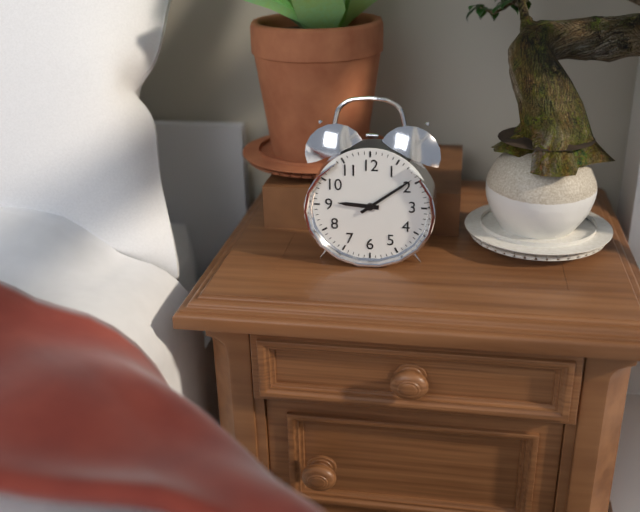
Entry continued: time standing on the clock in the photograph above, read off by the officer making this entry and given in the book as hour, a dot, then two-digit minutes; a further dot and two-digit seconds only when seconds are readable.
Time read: 9.09
